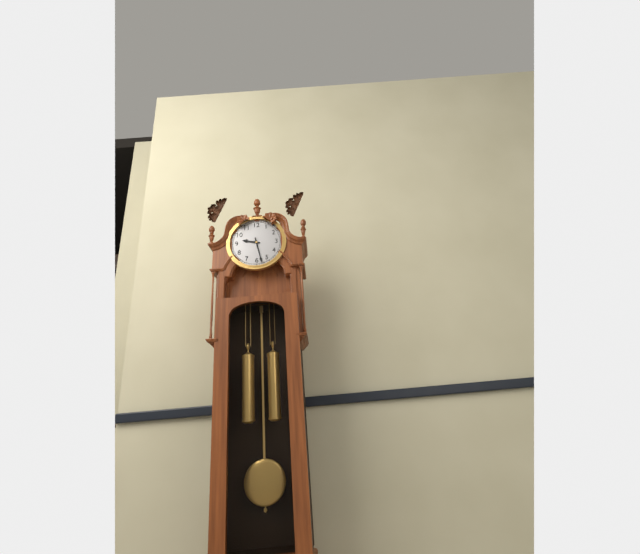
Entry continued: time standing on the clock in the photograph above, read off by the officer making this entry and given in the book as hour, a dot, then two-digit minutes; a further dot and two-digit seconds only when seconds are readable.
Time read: 9.28
